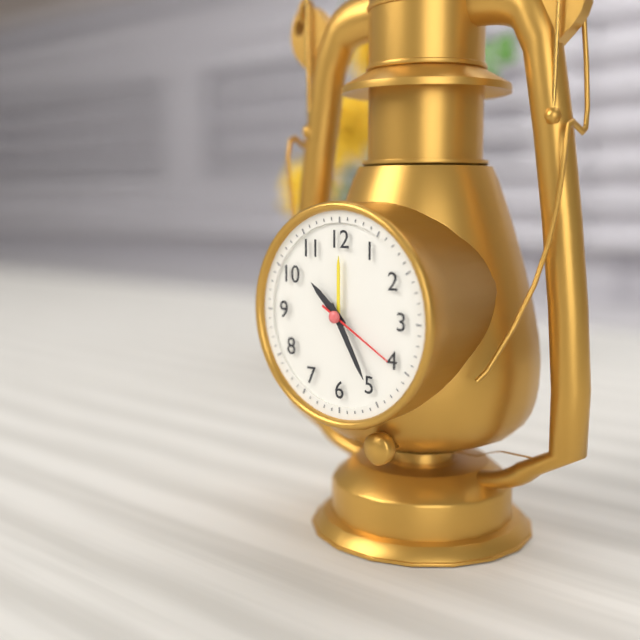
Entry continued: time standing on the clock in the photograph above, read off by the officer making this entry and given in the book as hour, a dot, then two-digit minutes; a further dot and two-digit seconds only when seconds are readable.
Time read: 10.25.20
